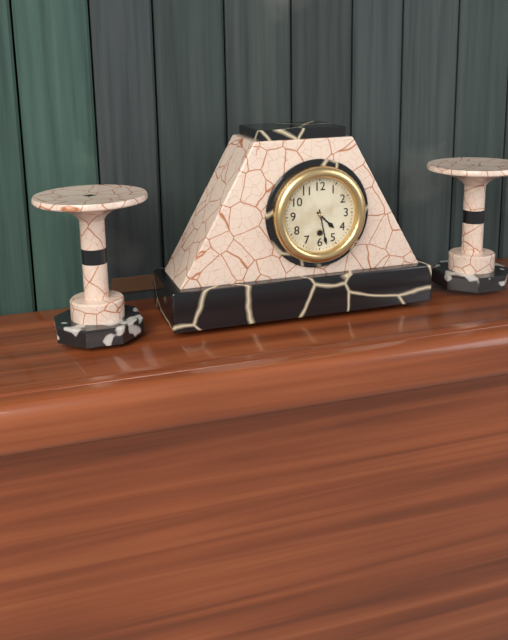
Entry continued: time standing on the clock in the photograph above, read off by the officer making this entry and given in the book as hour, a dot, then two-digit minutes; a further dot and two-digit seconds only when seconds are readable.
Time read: 4.28
